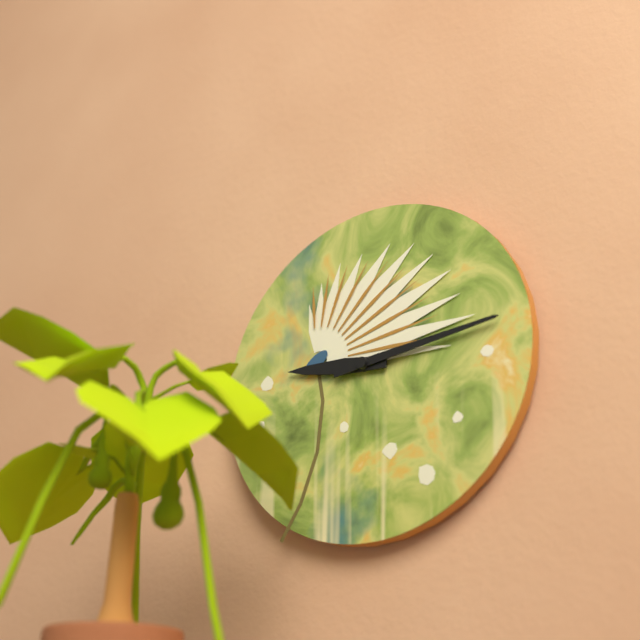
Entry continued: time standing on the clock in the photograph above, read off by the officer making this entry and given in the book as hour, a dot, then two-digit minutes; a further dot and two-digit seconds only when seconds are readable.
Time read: 9.14
